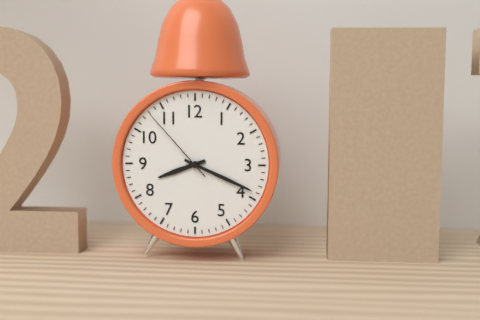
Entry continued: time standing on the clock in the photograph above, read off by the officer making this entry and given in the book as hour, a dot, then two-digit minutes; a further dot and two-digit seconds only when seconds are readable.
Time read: 8.19.53
